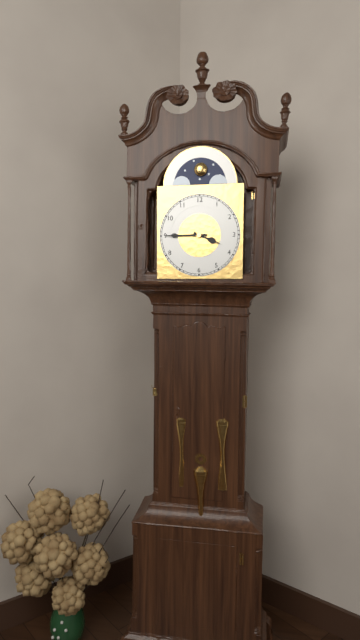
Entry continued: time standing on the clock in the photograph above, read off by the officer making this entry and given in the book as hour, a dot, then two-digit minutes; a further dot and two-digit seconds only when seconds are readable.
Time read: 3.45
